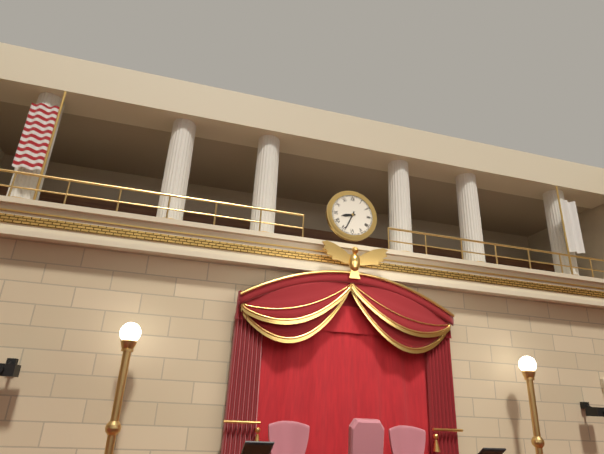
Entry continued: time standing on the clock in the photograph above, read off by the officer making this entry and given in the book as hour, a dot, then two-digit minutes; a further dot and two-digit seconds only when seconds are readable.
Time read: 8.34
